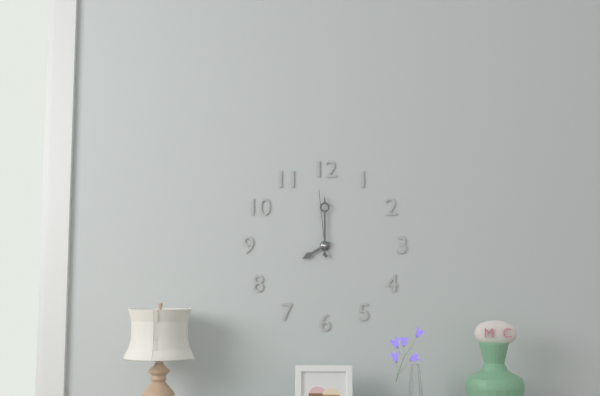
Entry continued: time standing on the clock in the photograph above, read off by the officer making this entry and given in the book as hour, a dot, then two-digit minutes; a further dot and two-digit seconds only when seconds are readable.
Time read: 8.00.59
